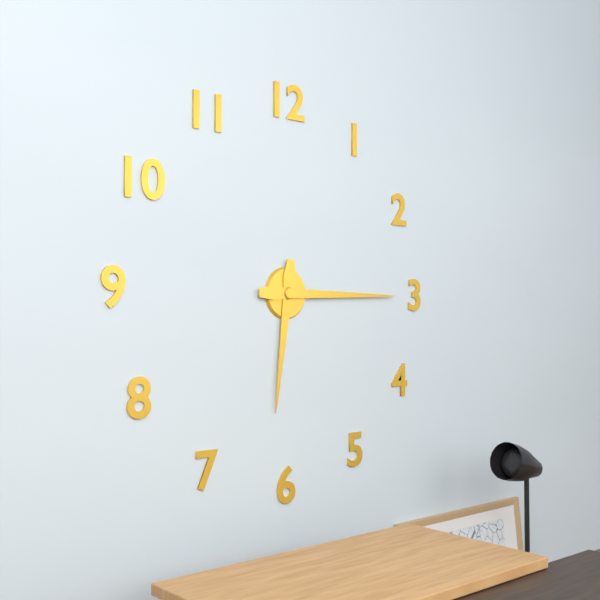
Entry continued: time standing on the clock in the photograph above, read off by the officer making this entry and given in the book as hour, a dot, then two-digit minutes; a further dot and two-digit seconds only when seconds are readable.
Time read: 6.15
